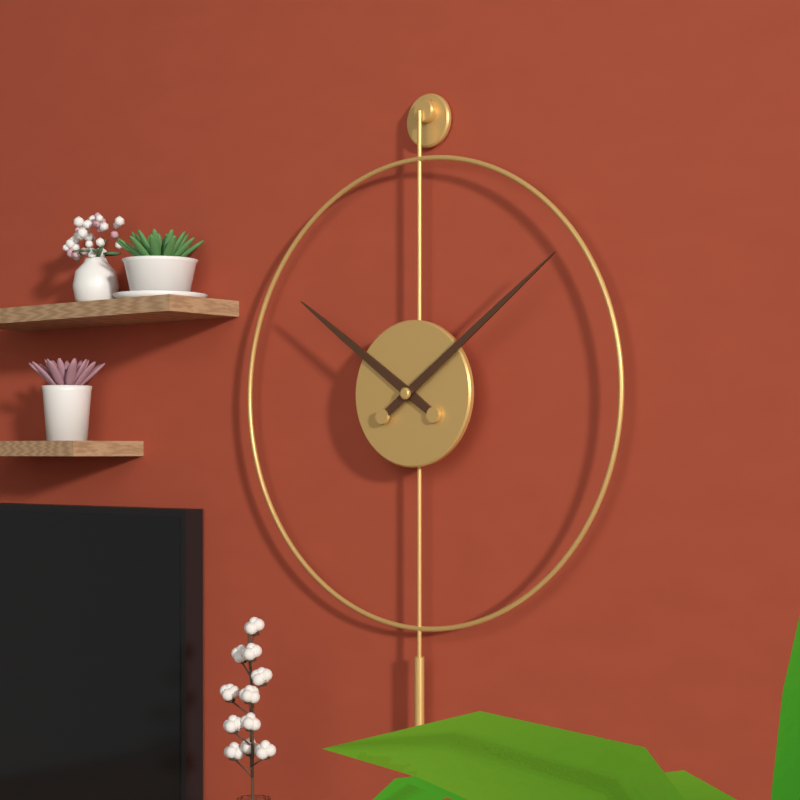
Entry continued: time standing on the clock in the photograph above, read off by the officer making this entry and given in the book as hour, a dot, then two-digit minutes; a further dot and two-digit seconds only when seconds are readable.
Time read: 10.09
